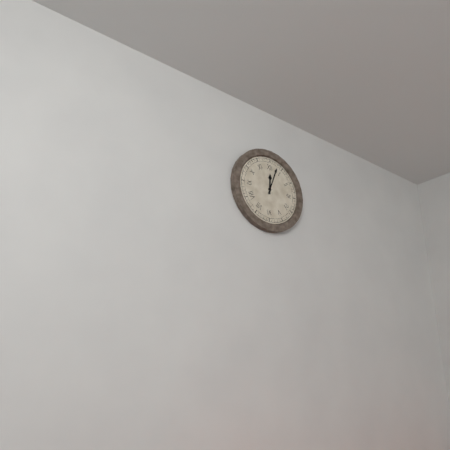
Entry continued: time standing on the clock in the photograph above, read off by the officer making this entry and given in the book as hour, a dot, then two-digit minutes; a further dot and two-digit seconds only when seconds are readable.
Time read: 12.03
